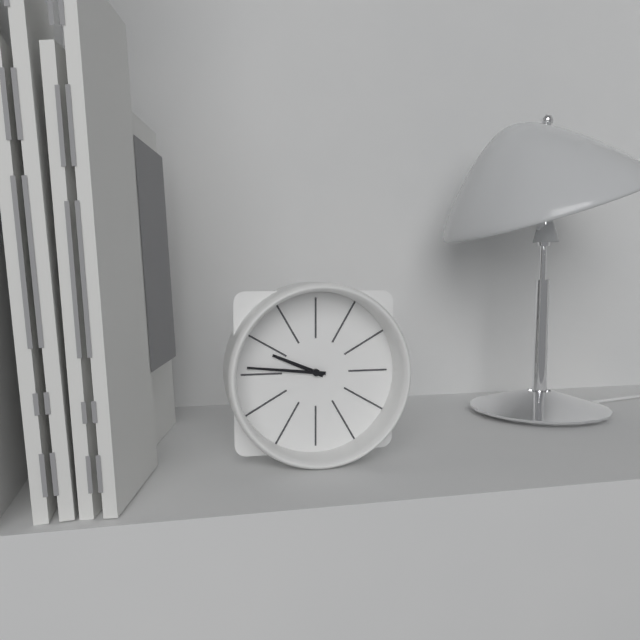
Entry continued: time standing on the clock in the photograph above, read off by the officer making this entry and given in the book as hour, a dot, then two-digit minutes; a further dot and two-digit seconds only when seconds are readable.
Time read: 9.46
